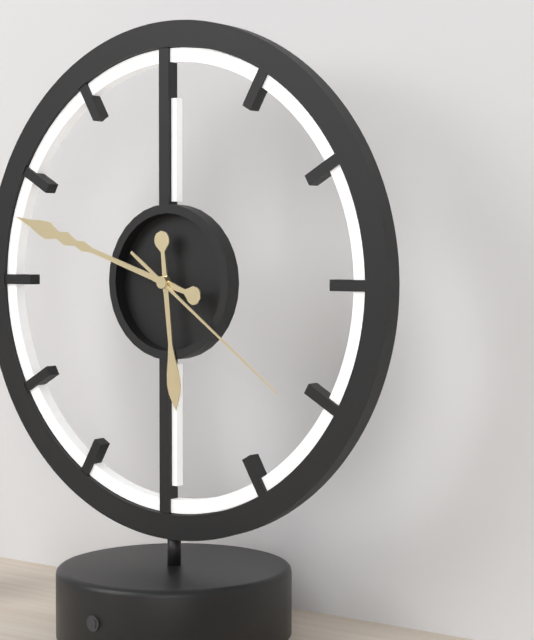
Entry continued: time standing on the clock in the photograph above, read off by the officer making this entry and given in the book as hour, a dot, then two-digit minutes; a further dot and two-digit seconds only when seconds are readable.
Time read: 5.48.21
